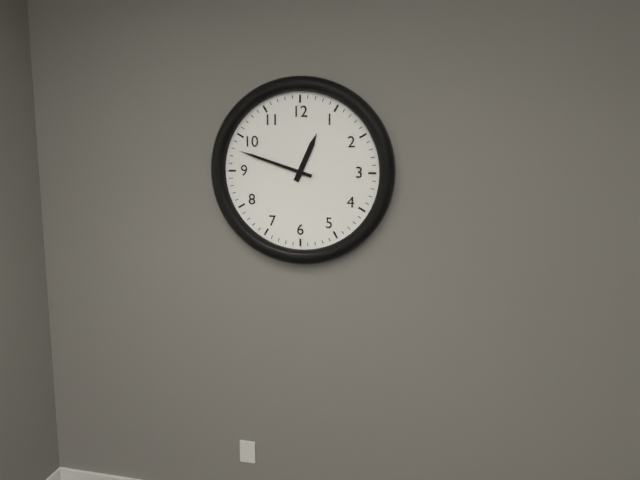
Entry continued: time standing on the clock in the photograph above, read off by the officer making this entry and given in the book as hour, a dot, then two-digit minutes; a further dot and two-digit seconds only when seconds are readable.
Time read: 12.48
